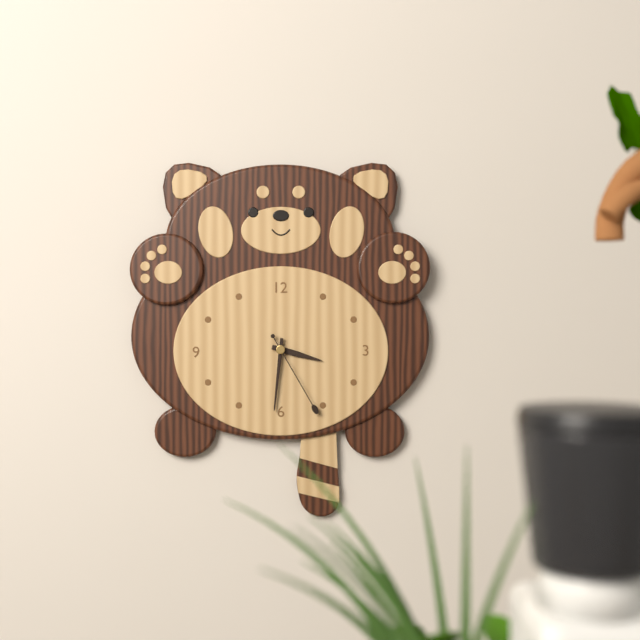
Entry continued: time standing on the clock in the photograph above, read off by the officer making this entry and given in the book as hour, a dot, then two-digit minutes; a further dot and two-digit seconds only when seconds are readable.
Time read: 3.31.25
